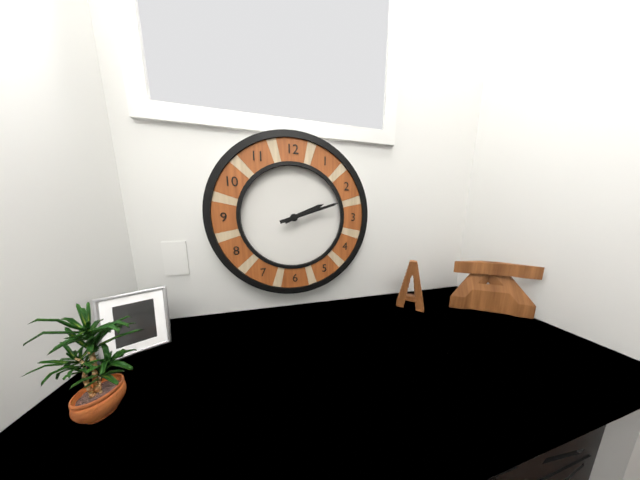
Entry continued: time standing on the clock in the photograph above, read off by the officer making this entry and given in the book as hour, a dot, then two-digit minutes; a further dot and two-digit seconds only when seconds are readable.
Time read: 2.12
